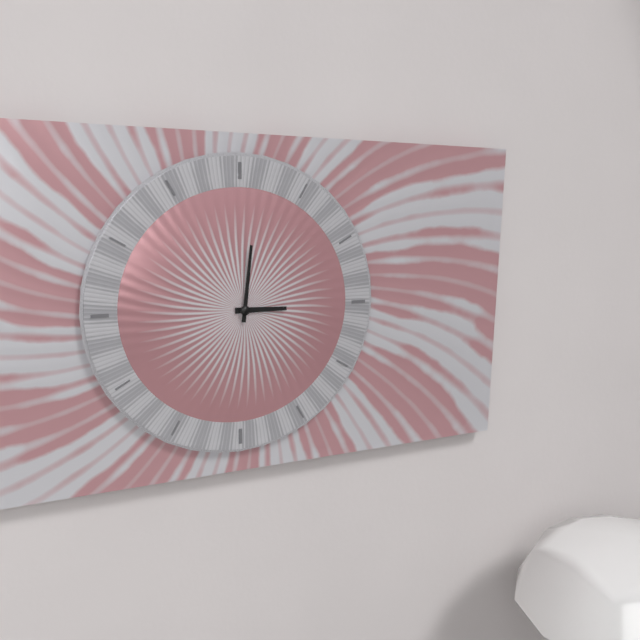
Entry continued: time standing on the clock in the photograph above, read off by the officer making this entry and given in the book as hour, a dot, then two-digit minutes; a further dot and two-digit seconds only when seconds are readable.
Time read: 3.01
